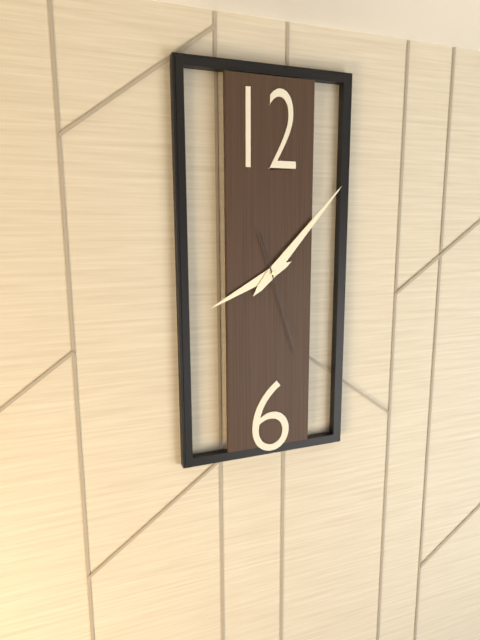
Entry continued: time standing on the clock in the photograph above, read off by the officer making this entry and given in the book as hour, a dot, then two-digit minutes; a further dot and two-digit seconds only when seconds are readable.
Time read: 8.07.27
